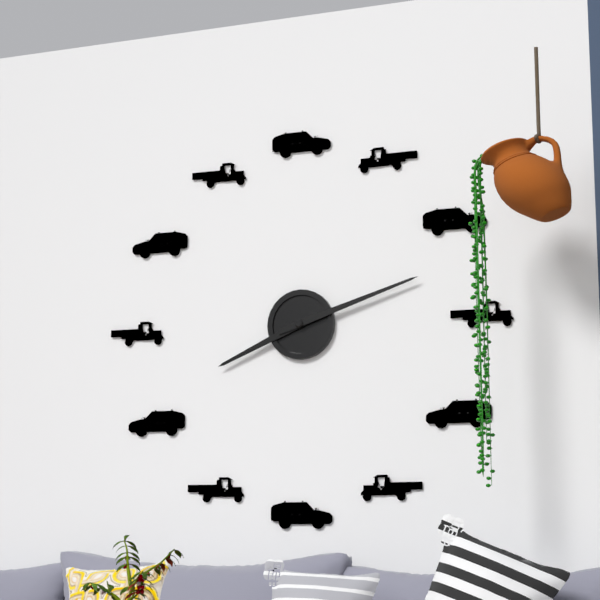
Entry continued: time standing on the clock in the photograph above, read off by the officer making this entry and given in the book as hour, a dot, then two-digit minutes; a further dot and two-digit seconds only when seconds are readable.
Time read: 8.12
